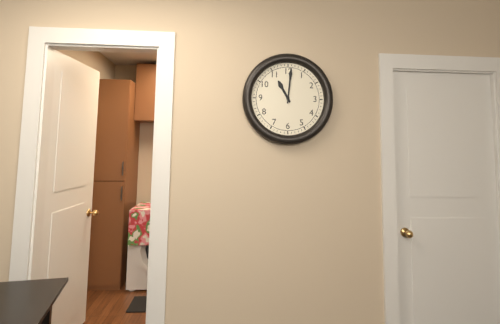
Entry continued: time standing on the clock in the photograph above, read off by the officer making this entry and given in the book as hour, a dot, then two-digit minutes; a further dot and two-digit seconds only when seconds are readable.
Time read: 11.01
